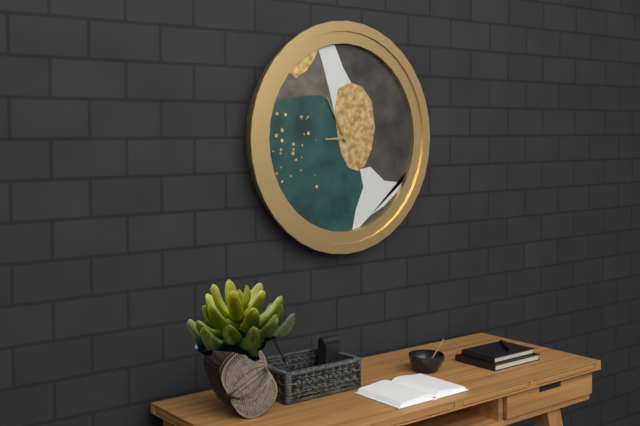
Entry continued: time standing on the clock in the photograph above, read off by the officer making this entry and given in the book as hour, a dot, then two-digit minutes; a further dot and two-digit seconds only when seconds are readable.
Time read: 8.55
